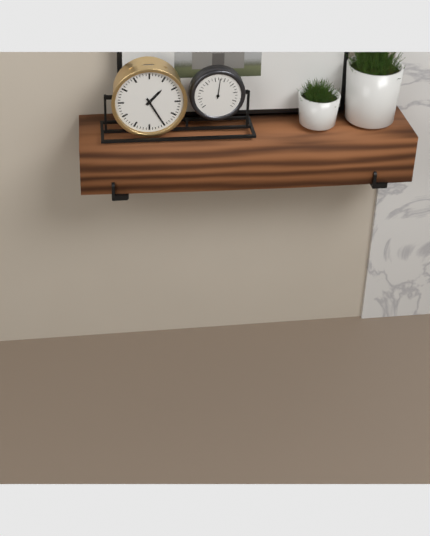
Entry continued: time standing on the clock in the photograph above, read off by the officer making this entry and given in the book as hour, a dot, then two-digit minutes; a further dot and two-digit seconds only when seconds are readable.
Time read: 1.25
